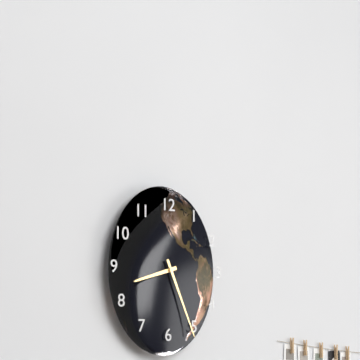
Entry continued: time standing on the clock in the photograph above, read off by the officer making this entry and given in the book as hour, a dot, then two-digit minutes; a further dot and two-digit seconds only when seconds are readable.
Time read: 8.26
